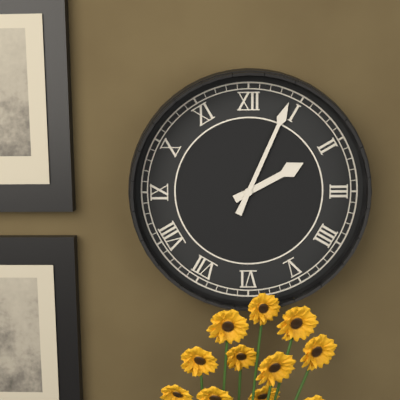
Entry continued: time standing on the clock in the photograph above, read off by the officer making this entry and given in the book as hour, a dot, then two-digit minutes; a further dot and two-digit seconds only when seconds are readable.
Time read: 2.04
